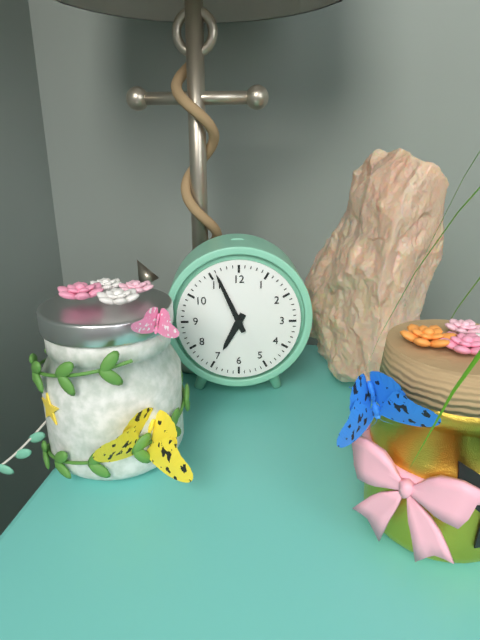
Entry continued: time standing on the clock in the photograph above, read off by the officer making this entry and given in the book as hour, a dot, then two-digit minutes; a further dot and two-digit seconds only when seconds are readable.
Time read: 6.56
